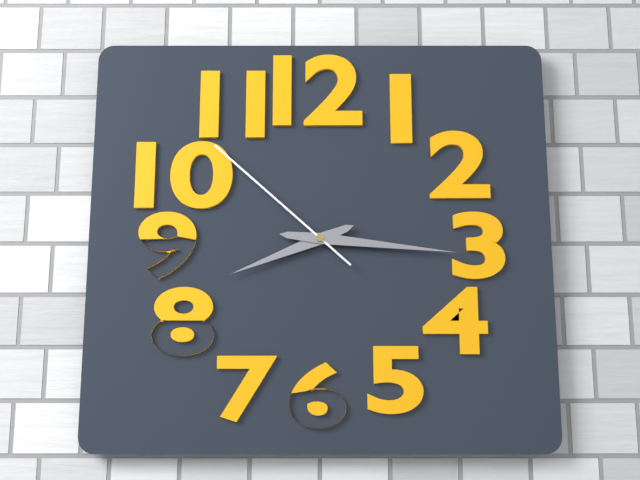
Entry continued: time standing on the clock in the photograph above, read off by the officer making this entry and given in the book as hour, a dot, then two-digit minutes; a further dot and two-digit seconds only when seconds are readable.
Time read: 8.16.52
